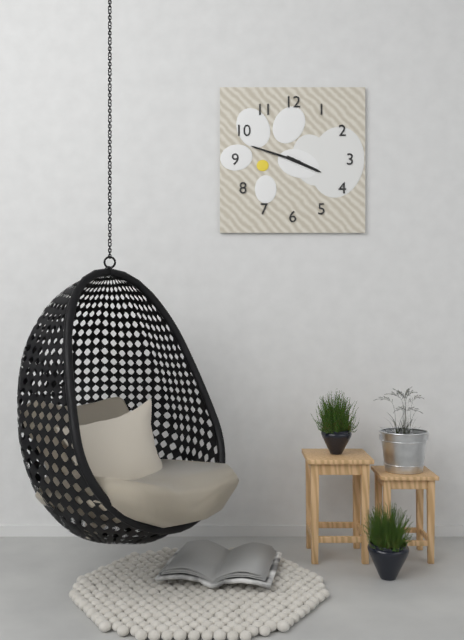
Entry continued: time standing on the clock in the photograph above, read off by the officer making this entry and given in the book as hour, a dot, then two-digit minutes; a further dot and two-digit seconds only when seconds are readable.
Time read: 3.48
